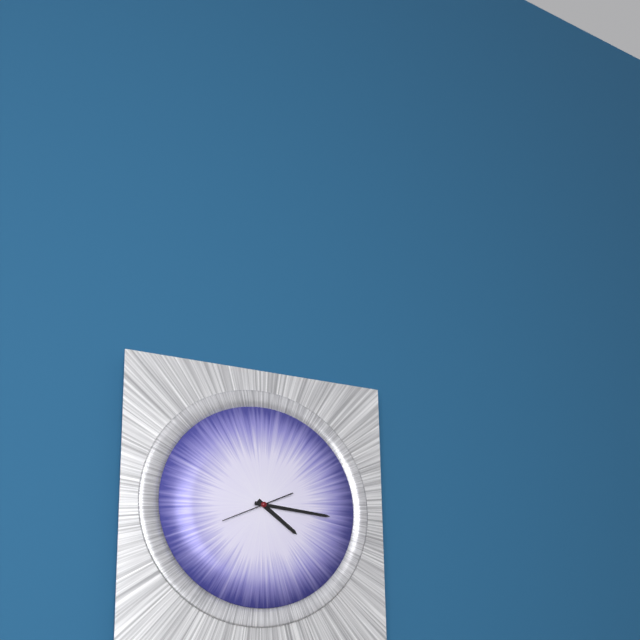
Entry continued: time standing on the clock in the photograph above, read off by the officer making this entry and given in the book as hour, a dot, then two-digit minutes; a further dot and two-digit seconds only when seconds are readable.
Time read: 4.16.41
